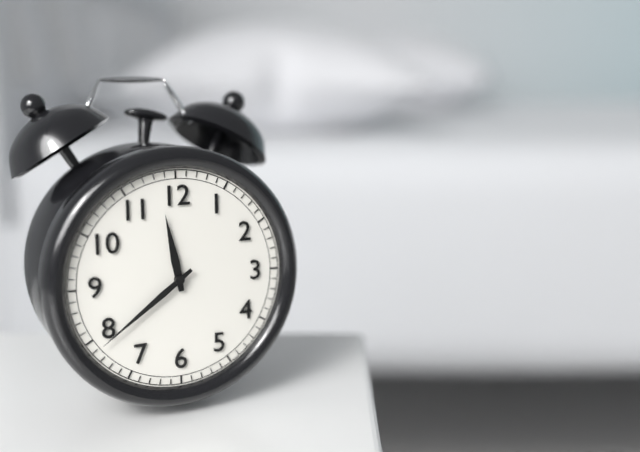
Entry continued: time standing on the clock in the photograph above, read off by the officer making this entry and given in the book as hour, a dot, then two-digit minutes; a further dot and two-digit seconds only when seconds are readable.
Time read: 11.39
